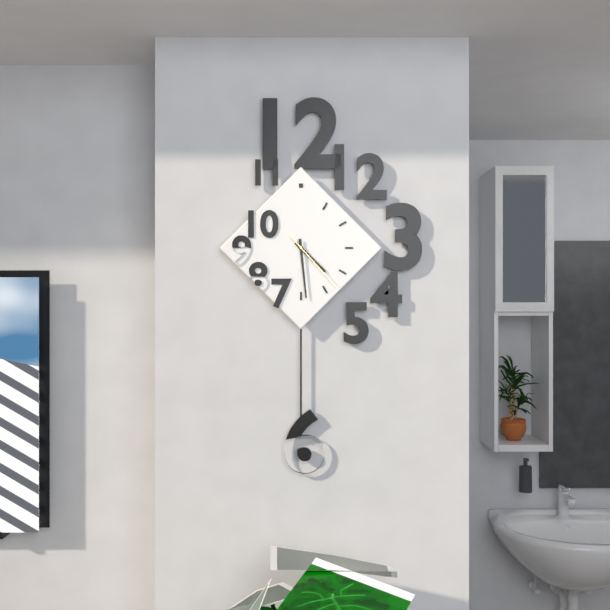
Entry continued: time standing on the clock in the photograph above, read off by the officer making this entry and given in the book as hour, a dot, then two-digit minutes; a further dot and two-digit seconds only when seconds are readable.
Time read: 4.29.23
